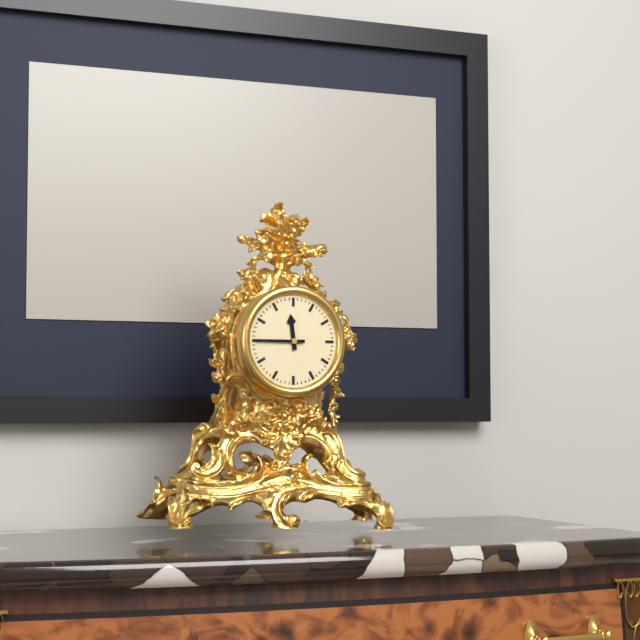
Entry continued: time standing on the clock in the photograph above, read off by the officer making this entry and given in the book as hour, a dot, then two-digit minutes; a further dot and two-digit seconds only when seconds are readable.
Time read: 11.45
